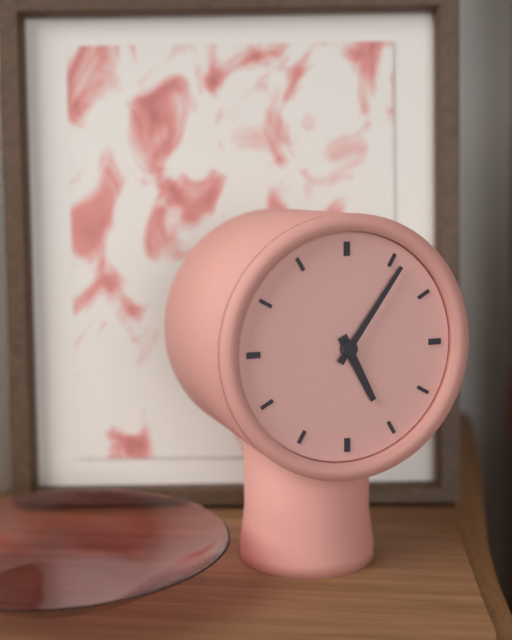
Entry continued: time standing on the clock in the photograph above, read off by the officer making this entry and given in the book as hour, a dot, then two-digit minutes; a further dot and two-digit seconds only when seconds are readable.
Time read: 5.06
